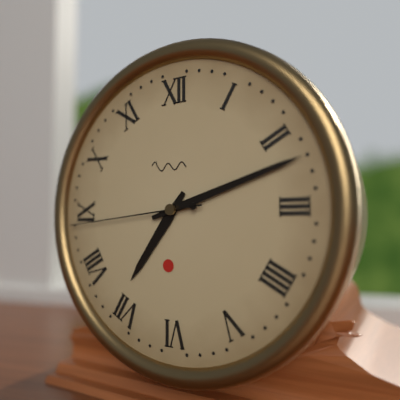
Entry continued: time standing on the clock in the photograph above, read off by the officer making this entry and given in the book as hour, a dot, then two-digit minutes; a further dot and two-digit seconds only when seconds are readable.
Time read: 7.12.44
